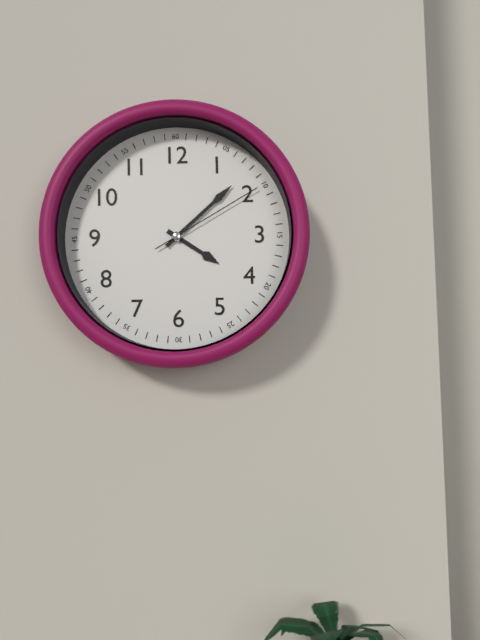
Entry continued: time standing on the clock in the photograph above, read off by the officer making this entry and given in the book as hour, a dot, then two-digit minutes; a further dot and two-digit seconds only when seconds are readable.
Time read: 4.08.10
